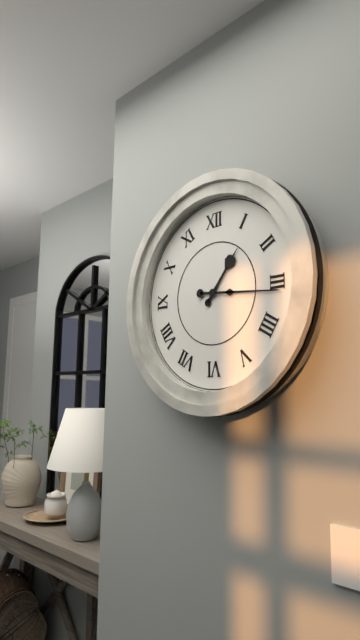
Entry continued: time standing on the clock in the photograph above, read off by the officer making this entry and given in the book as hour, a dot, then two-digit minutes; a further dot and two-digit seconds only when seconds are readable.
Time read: 1.16
